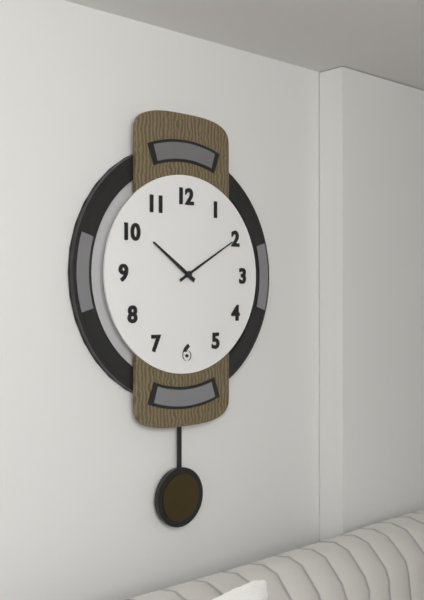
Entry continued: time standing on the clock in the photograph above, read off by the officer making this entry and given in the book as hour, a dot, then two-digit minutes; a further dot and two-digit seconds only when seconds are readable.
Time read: 10.10
